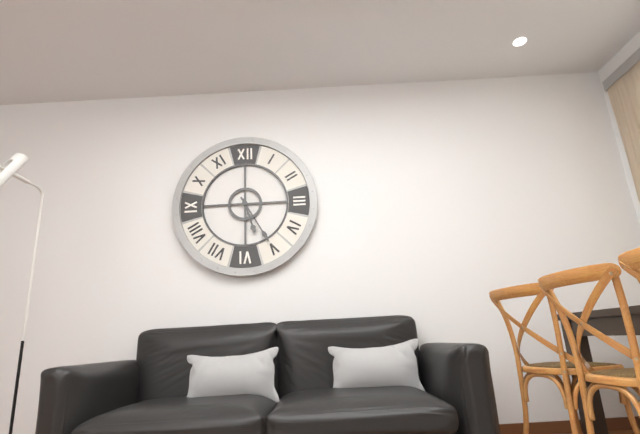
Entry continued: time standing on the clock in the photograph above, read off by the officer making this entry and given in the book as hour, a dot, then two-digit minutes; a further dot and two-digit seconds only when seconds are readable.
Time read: 5.25
